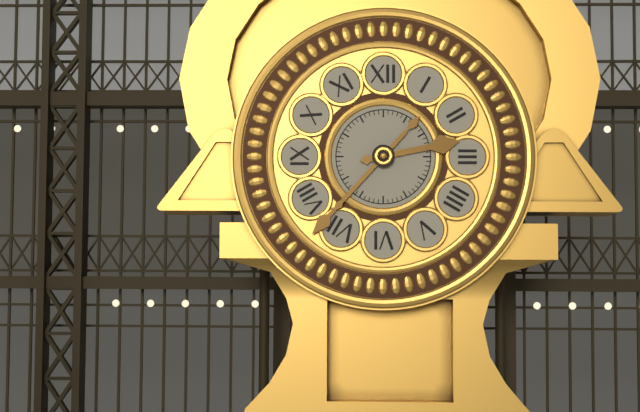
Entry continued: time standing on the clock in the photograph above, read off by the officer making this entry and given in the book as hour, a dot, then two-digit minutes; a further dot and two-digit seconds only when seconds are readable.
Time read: 2.37
